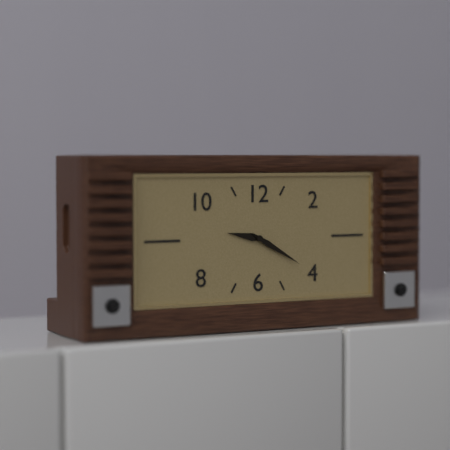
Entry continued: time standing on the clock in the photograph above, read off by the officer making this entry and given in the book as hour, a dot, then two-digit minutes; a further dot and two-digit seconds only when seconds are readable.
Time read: 9.20
